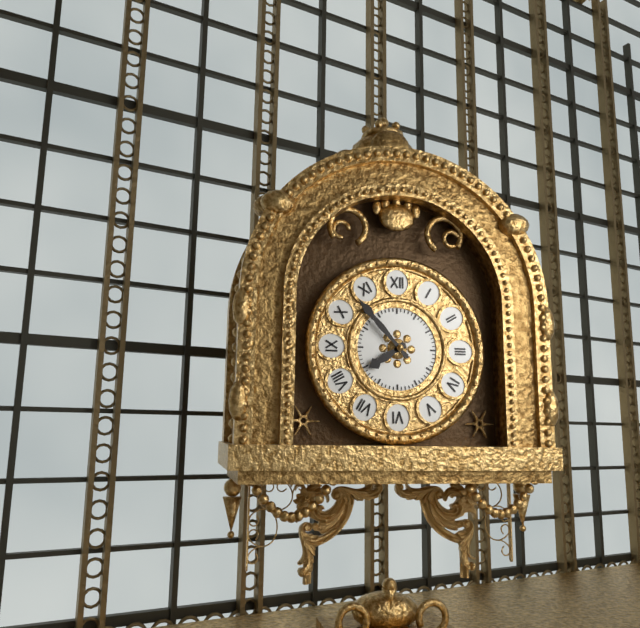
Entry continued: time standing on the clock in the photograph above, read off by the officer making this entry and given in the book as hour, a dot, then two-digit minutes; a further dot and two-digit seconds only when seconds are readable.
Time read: 7.53
